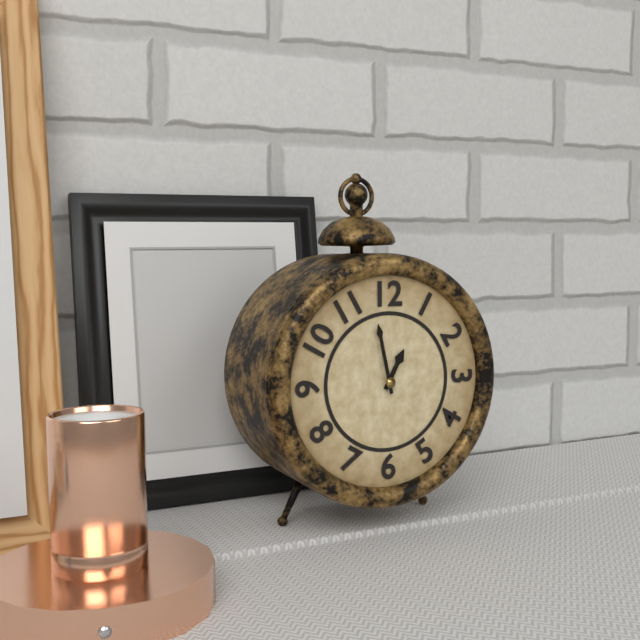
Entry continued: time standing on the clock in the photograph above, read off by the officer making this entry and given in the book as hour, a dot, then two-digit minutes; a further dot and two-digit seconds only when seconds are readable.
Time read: 12.58
